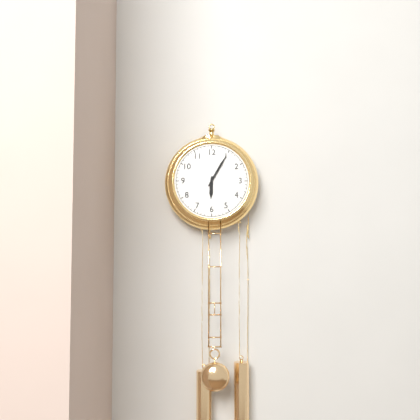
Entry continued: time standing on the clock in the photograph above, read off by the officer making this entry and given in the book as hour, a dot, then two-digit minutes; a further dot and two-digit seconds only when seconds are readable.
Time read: 6.05
